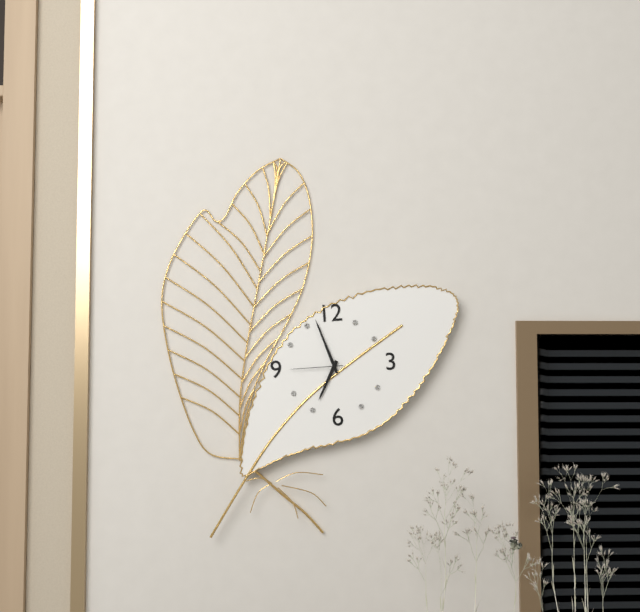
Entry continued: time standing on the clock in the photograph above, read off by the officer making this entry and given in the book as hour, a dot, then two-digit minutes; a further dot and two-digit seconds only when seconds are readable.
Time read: 6.57.45
